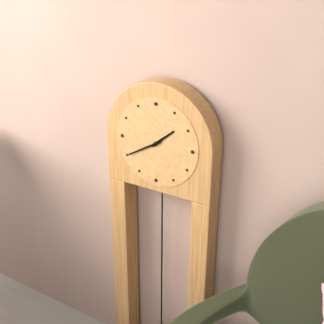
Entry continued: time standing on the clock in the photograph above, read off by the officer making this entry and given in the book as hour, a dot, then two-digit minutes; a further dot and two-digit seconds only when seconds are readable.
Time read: 1.40
